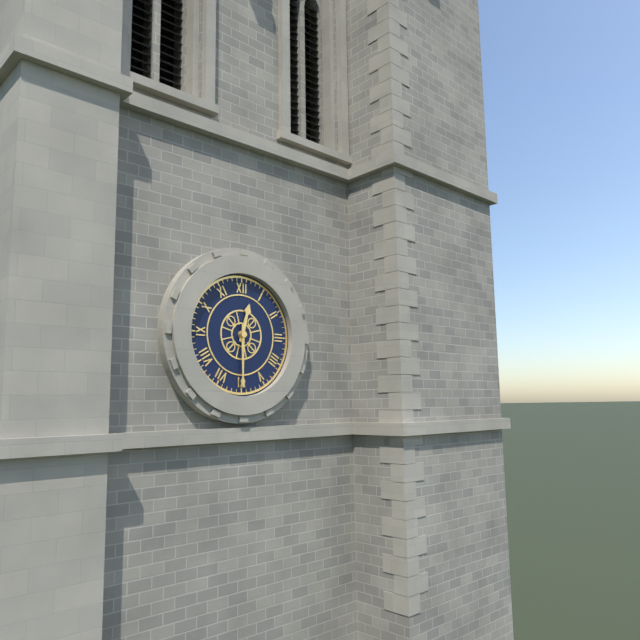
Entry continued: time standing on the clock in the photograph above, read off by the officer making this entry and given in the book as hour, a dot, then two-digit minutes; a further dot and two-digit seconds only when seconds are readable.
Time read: 12.30
